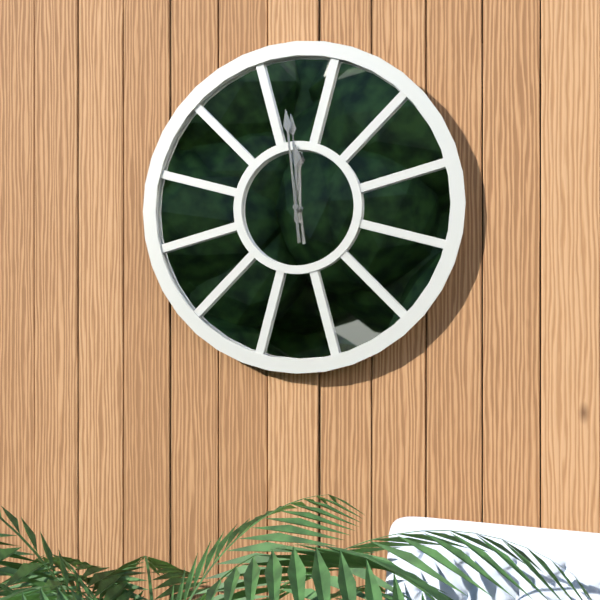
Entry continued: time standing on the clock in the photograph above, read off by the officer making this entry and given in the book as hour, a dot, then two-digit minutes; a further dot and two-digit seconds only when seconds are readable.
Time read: 11.59
